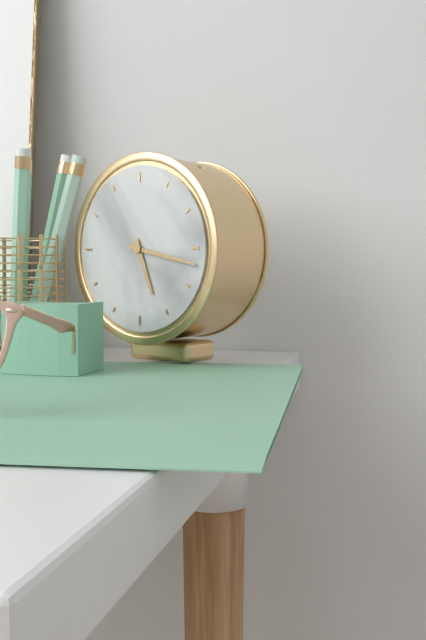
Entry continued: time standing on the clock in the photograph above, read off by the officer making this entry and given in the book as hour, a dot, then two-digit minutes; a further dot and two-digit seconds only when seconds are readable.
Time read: 5.17
